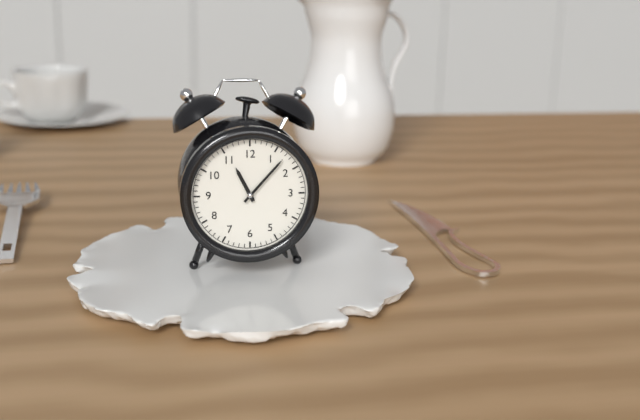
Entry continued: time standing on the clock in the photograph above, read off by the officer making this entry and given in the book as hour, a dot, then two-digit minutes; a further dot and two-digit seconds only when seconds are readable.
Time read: 11.07
